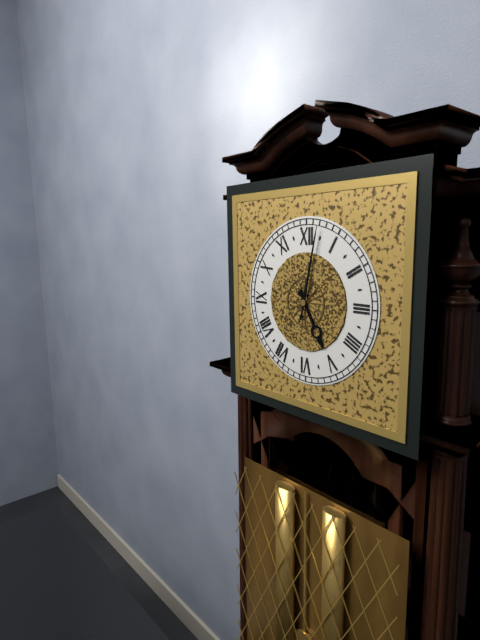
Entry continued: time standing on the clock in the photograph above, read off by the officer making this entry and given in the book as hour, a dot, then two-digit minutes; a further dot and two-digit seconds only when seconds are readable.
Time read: 5.02
